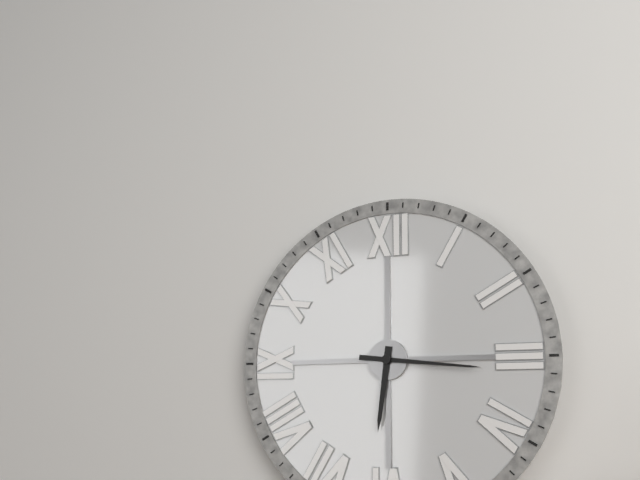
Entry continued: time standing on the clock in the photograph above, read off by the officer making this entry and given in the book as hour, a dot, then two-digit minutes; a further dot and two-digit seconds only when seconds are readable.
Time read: 6.16
